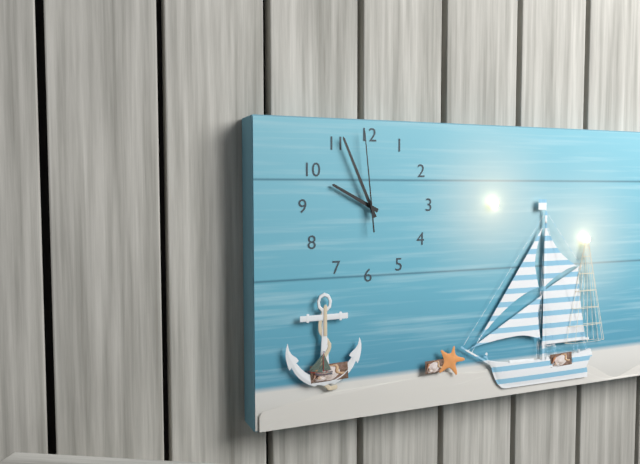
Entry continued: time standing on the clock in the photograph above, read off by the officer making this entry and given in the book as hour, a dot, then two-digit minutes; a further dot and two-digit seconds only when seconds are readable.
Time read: 9.56.59
